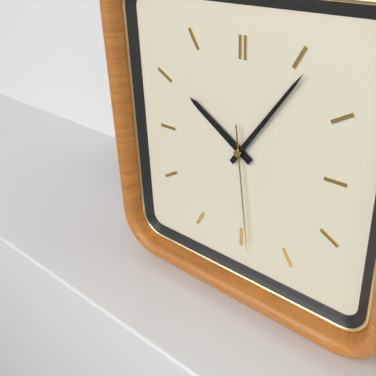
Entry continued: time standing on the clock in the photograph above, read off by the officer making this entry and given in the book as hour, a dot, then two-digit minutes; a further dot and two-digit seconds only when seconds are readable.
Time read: 10.06.29
